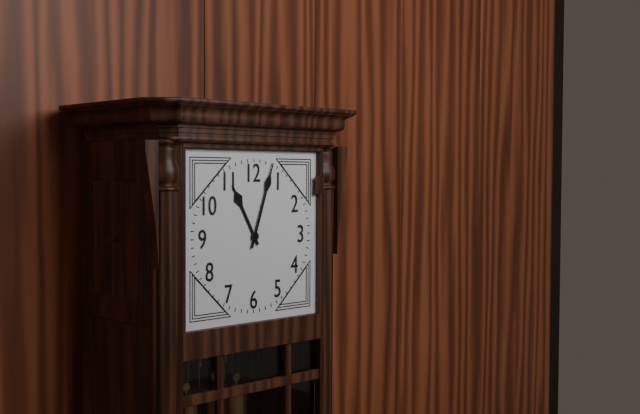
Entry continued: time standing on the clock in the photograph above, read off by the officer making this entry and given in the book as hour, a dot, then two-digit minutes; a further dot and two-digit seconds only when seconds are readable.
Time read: 11.03
